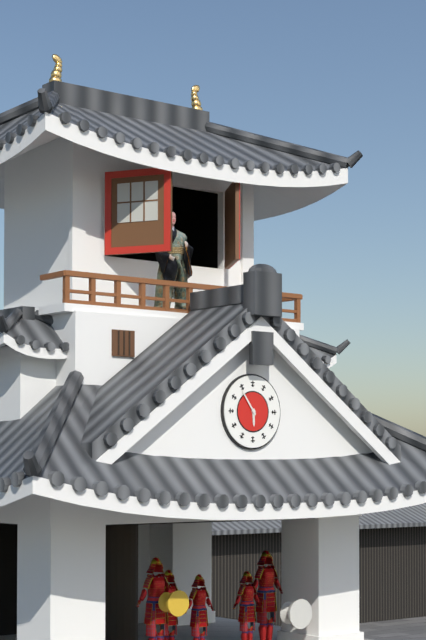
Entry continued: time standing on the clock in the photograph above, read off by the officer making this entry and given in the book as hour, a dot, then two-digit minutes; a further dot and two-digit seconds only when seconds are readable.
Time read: 5.54
